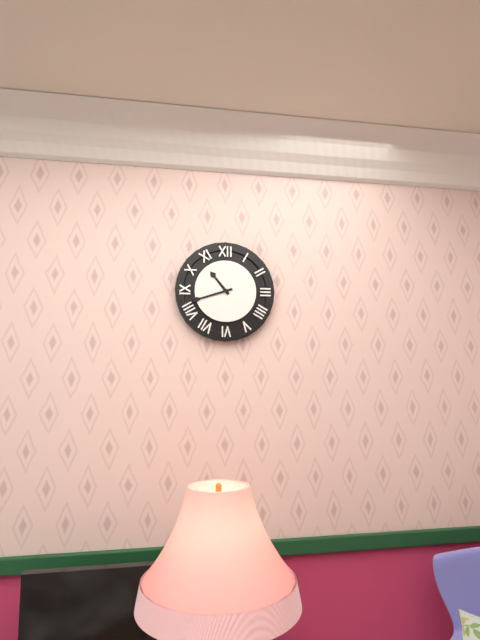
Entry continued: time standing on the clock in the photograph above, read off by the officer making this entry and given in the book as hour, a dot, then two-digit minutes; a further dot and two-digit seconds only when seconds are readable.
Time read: 10.42
